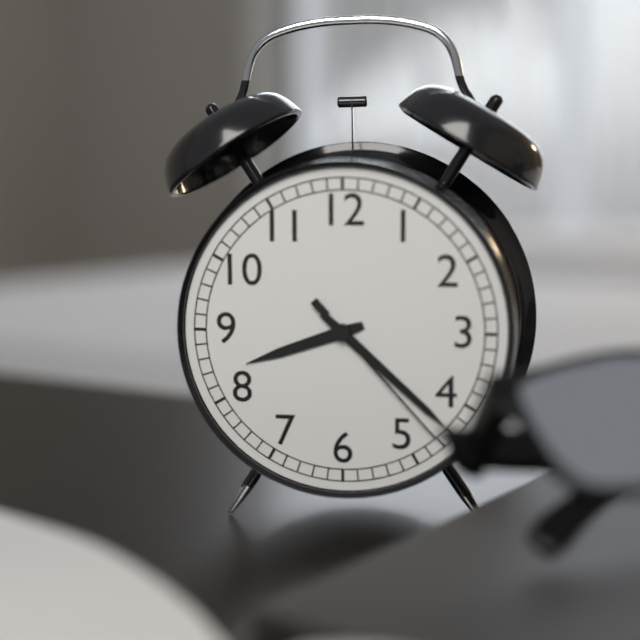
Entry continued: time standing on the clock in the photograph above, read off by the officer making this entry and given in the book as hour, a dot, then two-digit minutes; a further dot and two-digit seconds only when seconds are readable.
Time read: 8.22.23
